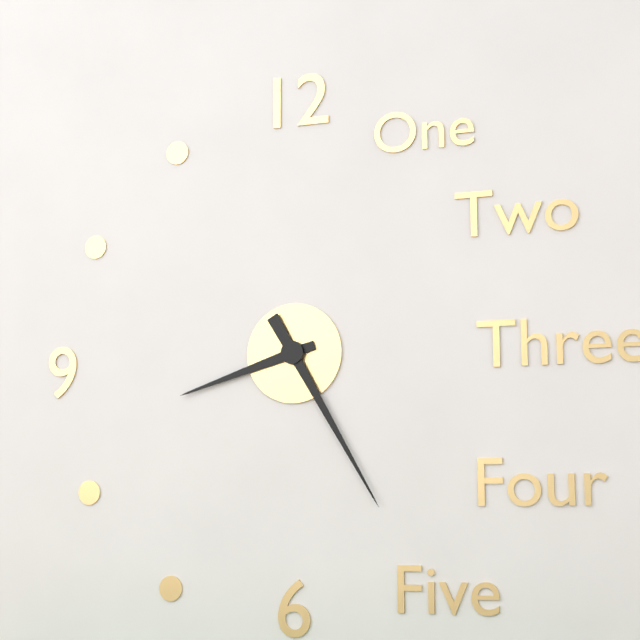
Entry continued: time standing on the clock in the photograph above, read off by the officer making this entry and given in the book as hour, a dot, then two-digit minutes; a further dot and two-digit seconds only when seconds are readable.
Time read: 8.25
